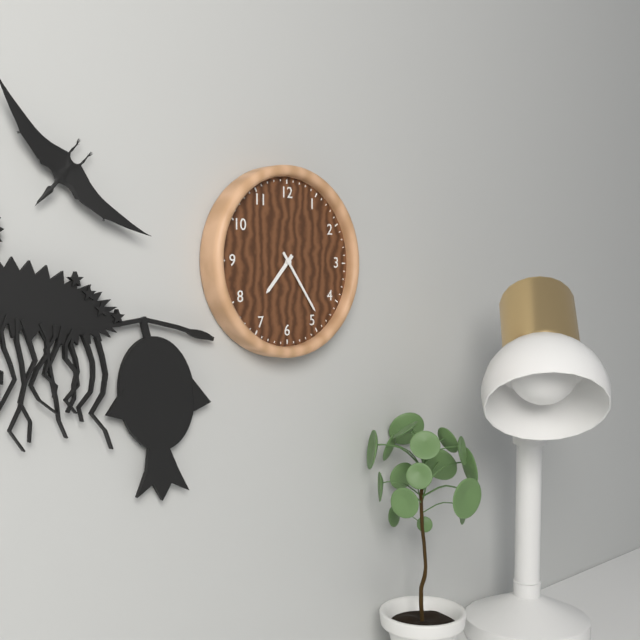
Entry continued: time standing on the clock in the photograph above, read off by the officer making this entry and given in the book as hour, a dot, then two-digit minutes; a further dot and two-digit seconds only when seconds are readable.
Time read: 7.24
